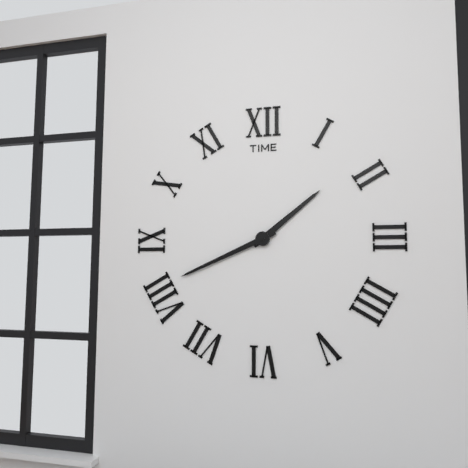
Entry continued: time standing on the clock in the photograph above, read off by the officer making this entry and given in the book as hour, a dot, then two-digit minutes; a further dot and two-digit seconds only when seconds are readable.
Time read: 1.41
